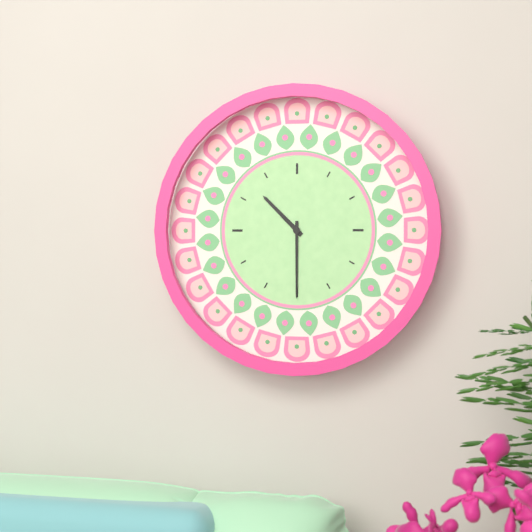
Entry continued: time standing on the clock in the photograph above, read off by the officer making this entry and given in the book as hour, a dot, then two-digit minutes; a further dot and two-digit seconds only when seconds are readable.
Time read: 10.30
